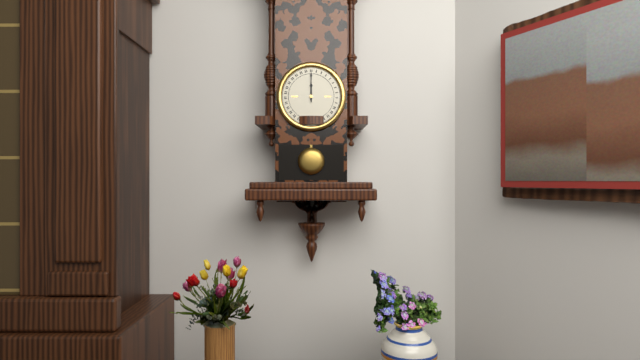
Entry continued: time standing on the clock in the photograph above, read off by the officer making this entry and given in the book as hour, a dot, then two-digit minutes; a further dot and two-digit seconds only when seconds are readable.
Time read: 12.00
